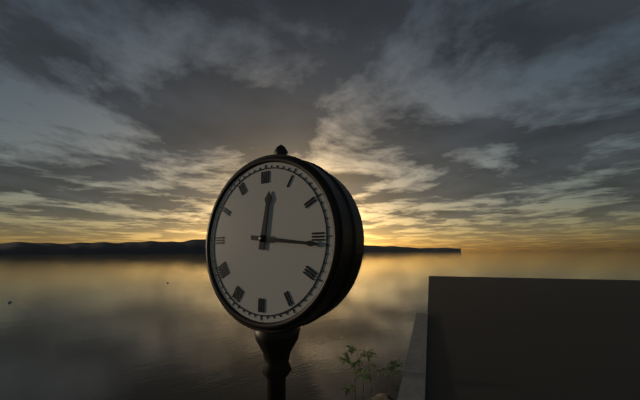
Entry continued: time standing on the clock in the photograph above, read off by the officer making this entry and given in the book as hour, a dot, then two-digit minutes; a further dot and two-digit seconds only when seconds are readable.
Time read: 12.16
